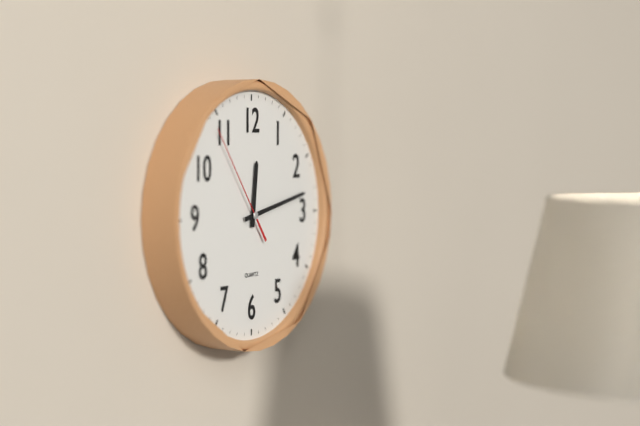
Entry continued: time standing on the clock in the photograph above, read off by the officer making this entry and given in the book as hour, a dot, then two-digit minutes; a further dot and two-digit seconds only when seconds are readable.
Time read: 12.13.54
